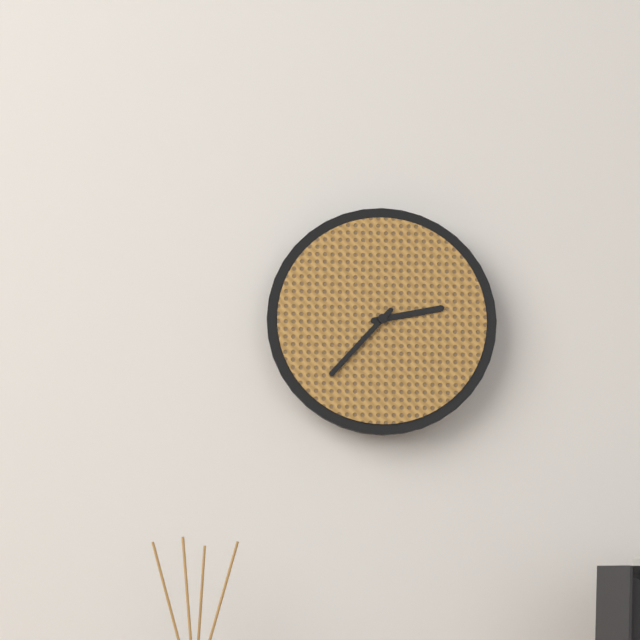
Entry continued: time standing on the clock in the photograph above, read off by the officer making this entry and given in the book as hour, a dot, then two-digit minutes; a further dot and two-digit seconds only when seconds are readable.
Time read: 2.37
